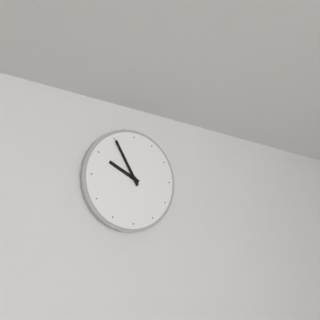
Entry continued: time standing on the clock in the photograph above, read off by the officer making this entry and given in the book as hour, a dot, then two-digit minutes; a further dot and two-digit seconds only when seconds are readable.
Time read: 9.55
